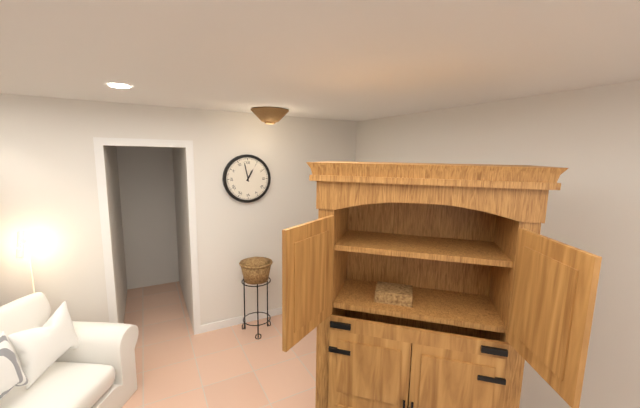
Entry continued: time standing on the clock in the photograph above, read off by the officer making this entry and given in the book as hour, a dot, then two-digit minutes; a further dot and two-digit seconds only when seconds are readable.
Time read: 12.58
